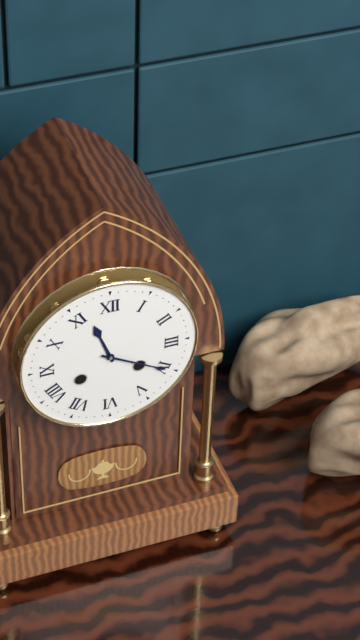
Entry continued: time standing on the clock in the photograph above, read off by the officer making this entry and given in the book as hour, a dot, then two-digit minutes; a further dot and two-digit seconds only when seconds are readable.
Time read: 11.20
